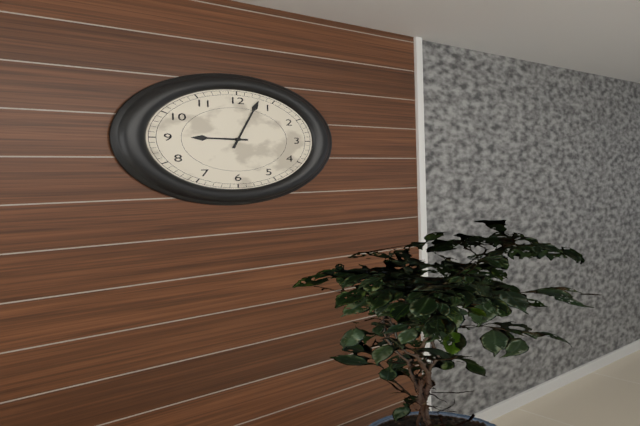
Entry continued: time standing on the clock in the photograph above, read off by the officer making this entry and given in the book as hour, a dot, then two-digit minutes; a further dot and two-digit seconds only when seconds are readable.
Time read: 9.03
